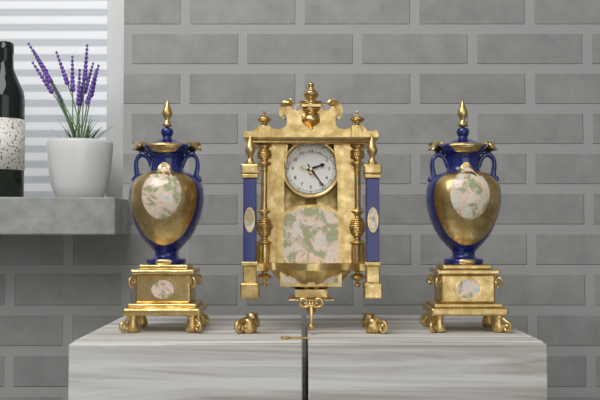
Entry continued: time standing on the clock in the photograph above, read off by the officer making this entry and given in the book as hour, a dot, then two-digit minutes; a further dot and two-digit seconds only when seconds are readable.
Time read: 2.24
